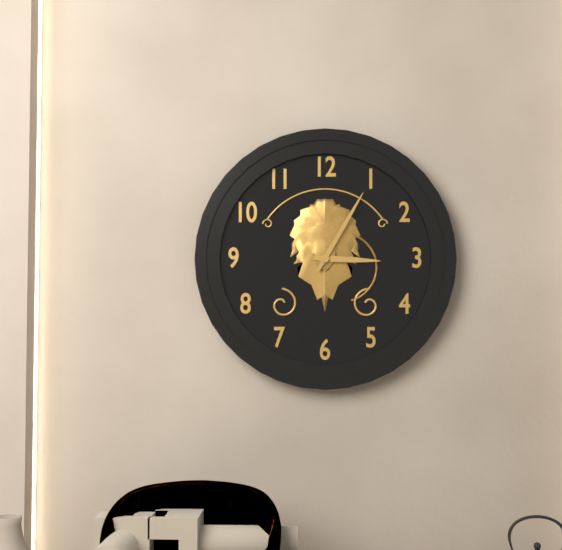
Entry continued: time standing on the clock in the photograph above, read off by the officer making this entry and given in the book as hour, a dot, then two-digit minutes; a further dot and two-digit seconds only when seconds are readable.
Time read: 3.05
